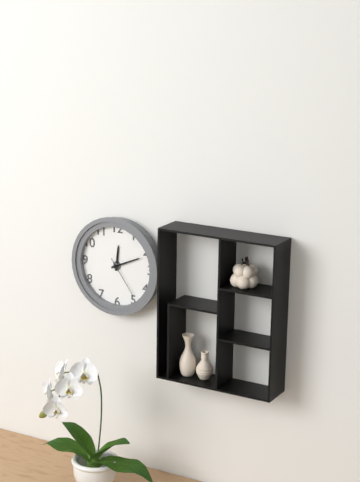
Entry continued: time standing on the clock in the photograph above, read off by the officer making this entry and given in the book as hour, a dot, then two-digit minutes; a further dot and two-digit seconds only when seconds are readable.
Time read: 12.11
